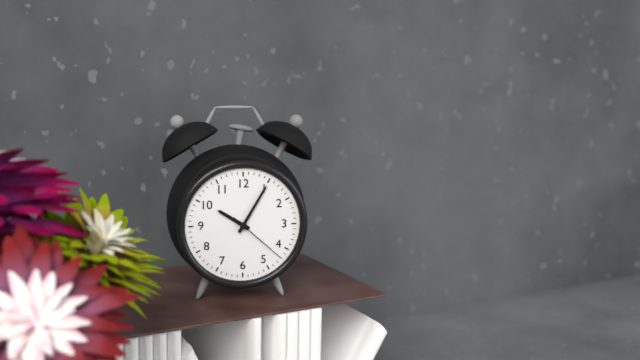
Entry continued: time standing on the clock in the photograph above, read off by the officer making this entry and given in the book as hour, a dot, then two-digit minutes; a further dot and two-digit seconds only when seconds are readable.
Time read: 10.05.22
